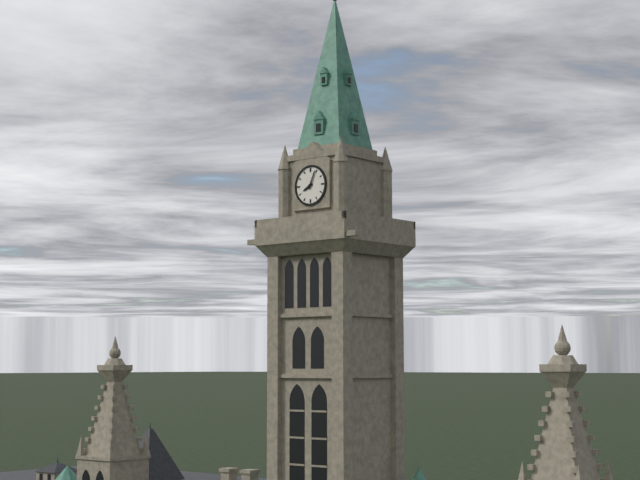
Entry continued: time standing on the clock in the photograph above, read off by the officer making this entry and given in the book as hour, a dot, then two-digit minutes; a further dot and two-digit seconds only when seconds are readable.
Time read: 8.04
